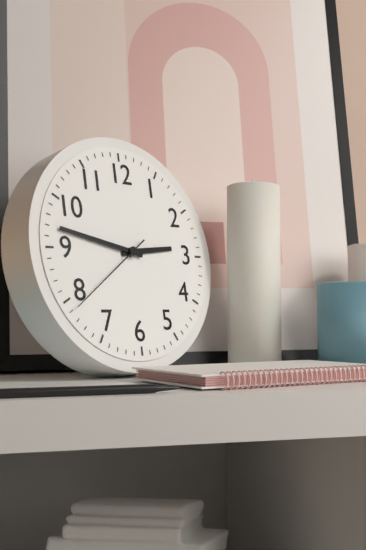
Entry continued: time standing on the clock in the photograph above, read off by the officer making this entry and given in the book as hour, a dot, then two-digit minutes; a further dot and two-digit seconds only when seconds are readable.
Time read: 2.47.39
